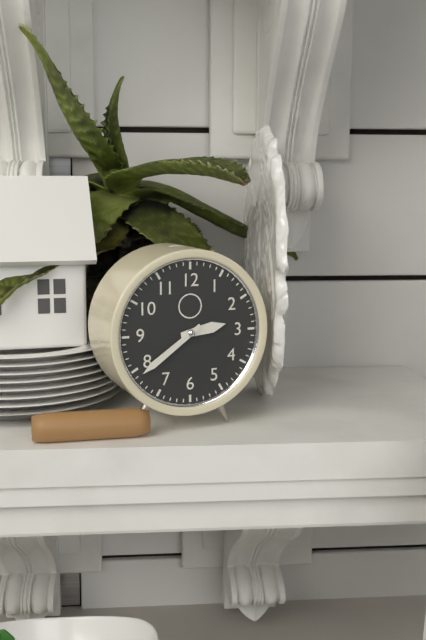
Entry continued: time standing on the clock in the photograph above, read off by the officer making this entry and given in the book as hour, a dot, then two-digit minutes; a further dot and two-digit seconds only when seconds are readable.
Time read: 2.39
